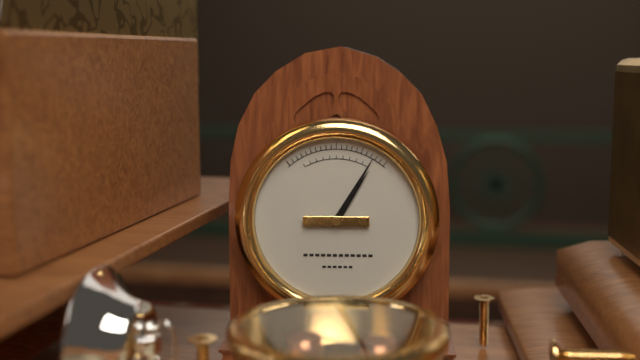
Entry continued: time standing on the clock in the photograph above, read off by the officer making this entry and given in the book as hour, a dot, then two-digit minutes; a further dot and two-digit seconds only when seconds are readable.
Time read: 1.05
